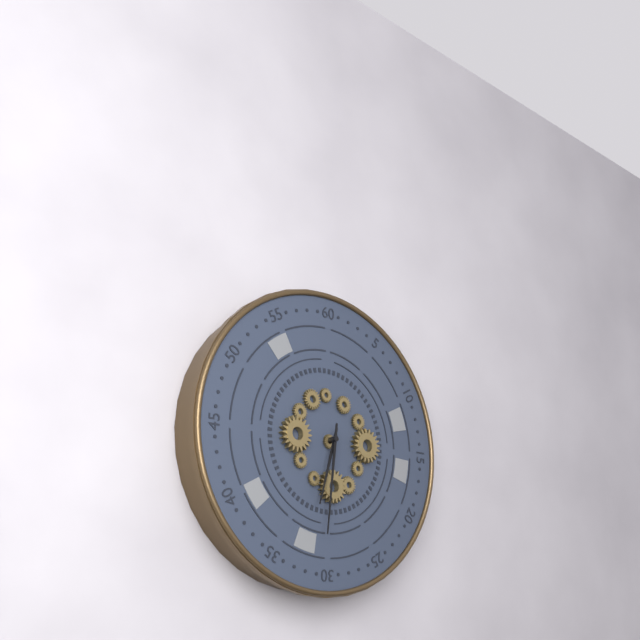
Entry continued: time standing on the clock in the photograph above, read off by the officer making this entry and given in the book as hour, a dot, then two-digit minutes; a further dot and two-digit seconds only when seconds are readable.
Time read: 6.31
